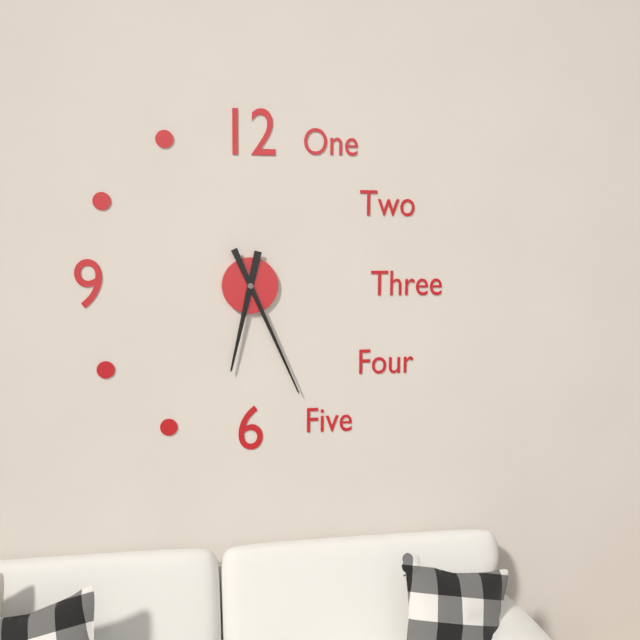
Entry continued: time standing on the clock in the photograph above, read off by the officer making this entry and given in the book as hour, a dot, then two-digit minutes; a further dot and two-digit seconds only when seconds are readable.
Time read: 6.26
